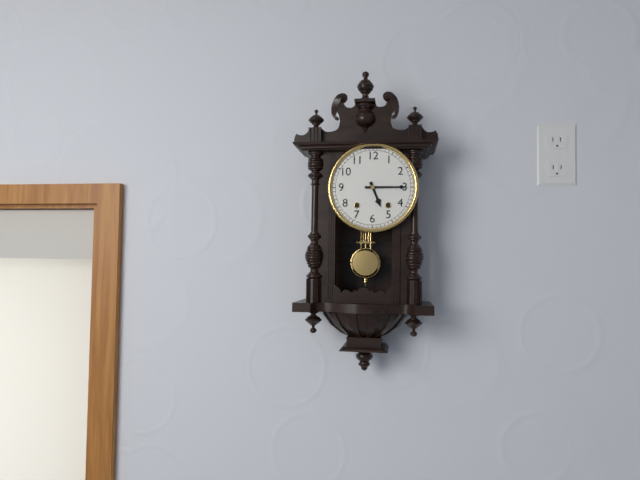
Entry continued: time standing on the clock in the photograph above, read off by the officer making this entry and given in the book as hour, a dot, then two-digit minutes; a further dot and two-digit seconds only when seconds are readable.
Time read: 5.15
